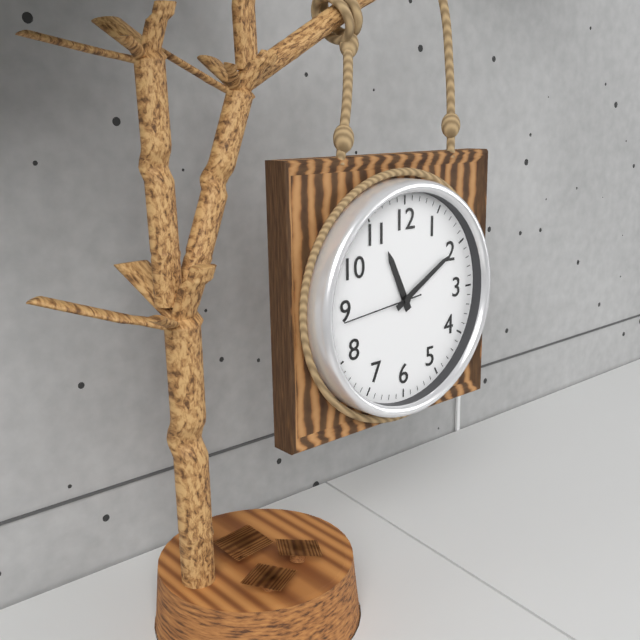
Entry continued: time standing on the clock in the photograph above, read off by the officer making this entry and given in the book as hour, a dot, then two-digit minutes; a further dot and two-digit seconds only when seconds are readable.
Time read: 11.10.44
